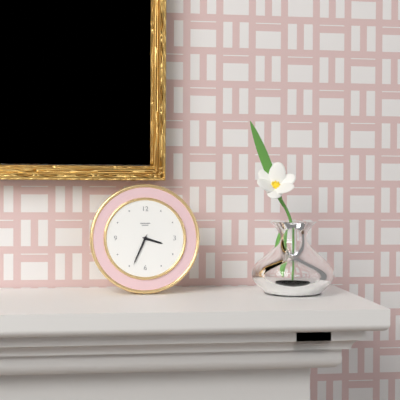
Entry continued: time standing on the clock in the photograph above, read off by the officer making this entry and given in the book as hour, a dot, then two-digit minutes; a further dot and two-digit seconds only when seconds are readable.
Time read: 3.34
